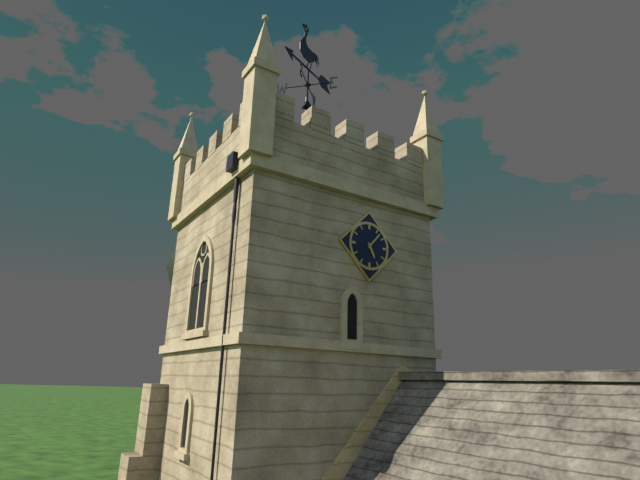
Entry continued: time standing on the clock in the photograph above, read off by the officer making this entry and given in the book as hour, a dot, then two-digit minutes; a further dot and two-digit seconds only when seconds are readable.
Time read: 5.07
